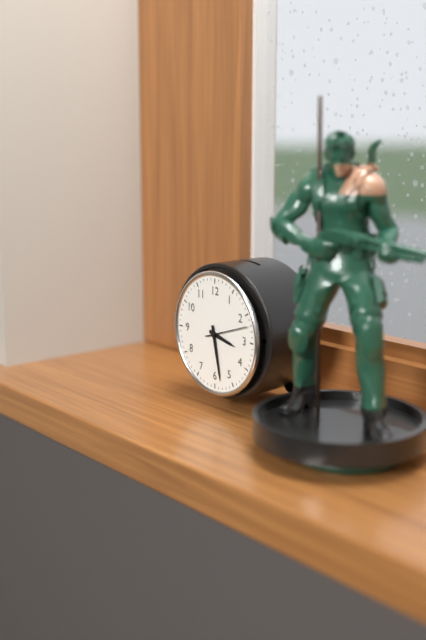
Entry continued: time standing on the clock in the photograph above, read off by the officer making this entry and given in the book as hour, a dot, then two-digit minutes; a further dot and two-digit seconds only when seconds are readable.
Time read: 3.28
